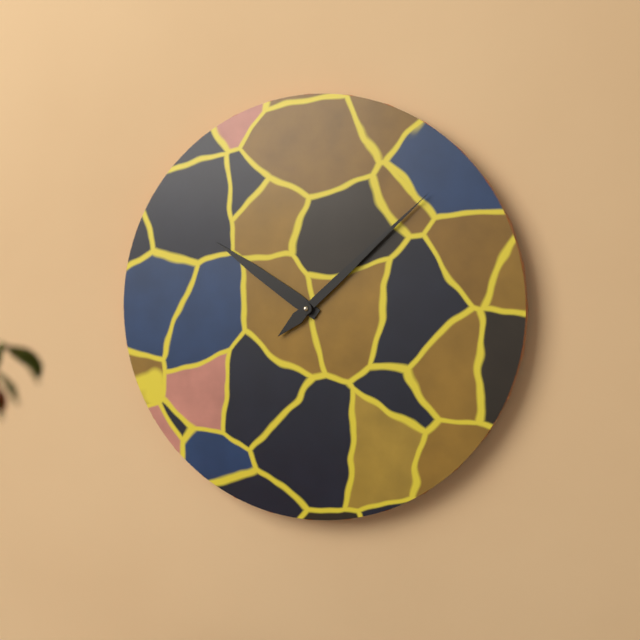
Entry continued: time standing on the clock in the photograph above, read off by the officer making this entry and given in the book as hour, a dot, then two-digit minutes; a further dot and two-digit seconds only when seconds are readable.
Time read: 10.08
